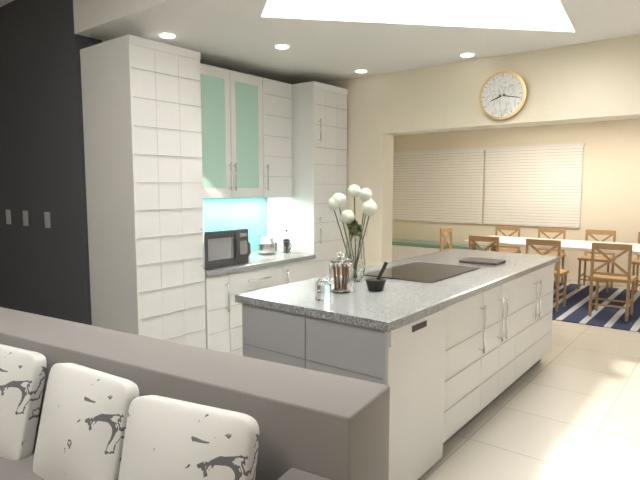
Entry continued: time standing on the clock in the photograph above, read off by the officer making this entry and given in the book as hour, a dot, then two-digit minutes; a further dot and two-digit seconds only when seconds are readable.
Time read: 8.17
